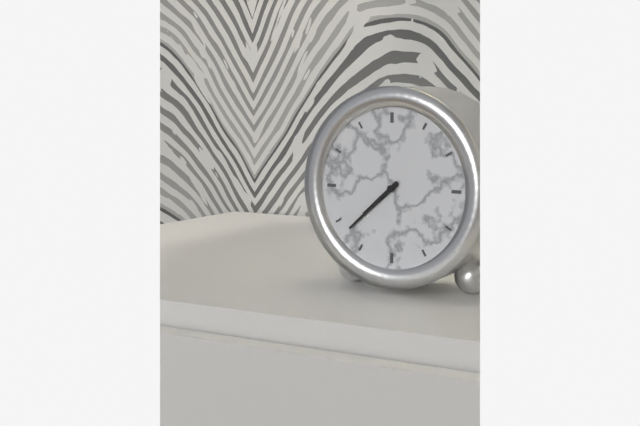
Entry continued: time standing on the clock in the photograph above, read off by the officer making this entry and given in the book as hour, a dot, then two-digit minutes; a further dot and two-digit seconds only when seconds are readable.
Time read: 7.38
